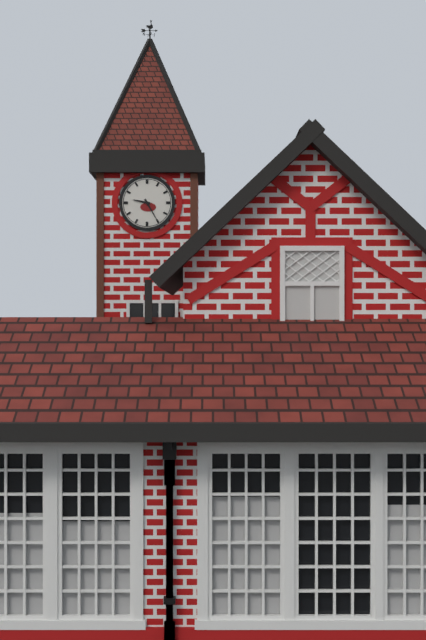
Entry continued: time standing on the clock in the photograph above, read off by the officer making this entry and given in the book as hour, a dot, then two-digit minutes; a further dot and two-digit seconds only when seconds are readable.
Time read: 9.25
